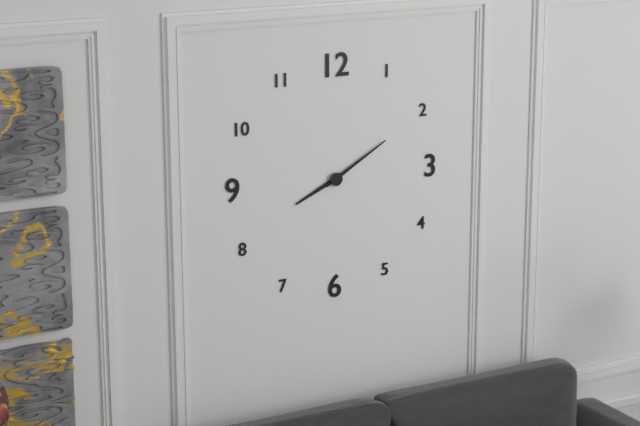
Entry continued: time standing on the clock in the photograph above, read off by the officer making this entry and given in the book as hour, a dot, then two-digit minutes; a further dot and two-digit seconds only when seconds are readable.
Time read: 8.10
